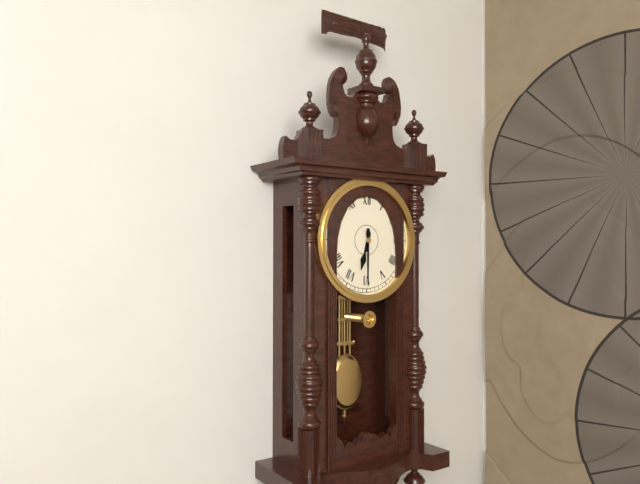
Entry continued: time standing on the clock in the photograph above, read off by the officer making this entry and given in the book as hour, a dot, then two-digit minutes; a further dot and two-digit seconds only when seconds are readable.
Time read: 6.30
